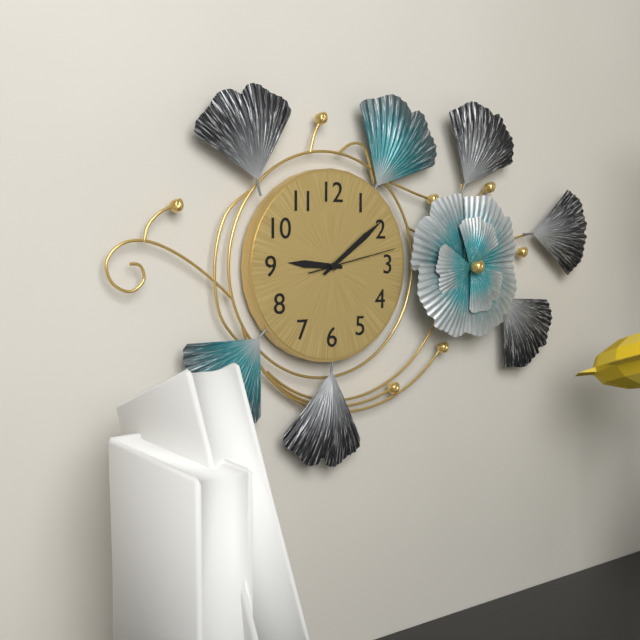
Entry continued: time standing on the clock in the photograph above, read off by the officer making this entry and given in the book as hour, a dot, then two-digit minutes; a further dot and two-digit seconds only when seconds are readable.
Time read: 9.09.13
